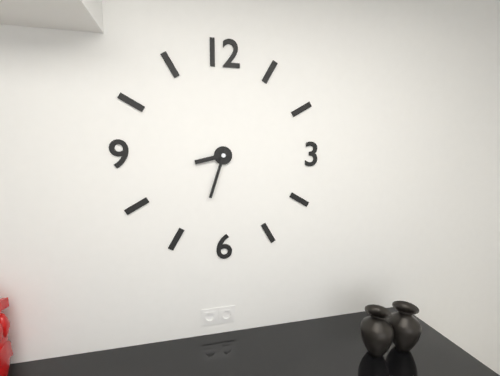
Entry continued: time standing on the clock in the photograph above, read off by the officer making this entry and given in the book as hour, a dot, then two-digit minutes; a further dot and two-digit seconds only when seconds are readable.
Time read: 8.33
